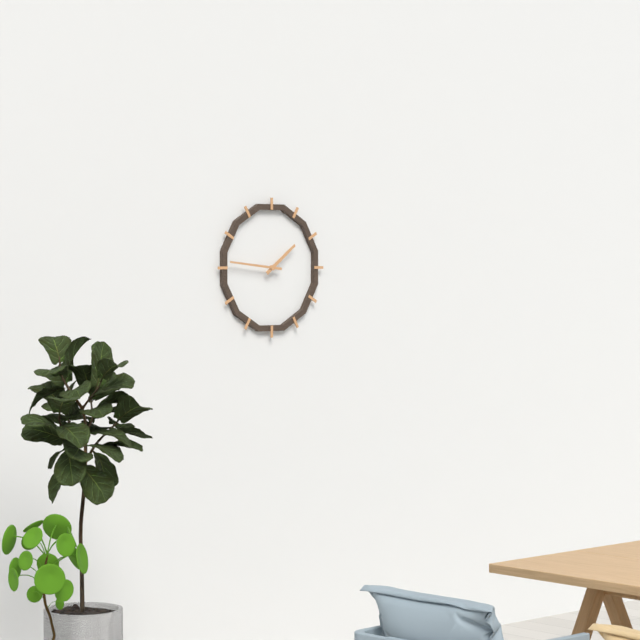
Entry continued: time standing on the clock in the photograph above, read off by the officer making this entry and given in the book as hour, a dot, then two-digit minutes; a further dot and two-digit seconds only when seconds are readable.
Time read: 1.46
